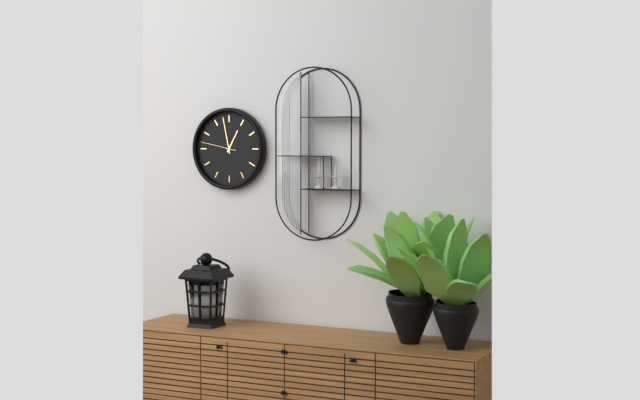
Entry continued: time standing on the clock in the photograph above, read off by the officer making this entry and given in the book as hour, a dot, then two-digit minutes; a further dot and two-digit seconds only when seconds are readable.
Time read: 12.58
